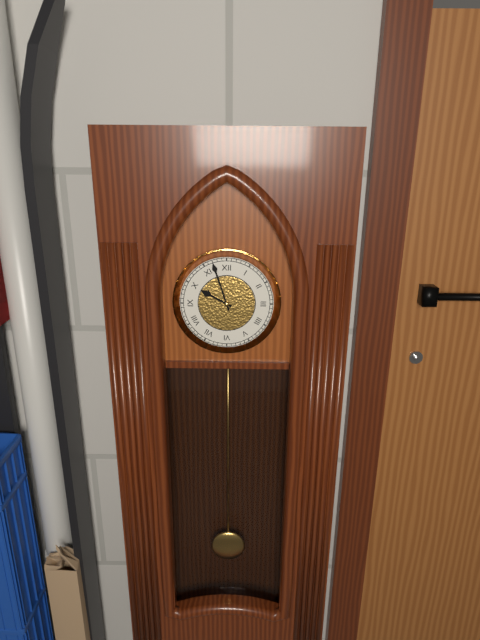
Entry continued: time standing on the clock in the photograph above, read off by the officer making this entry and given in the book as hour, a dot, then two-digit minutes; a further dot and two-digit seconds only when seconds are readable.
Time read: 9.57
